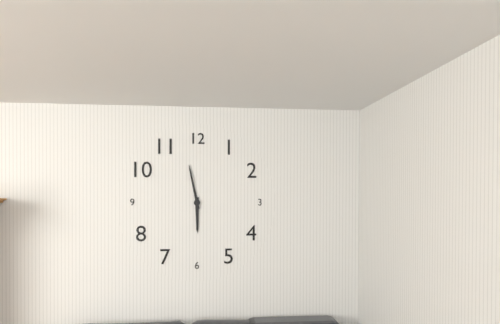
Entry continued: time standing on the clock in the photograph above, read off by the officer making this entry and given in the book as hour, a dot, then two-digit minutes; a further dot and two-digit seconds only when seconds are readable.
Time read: 5.58
